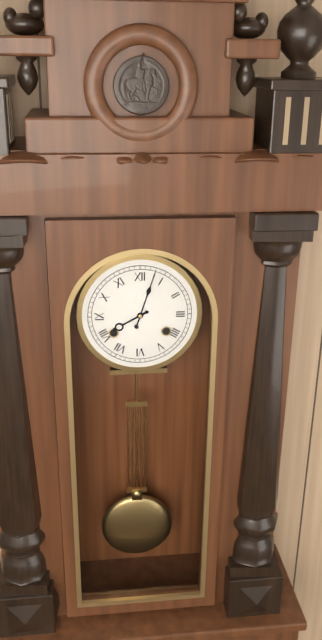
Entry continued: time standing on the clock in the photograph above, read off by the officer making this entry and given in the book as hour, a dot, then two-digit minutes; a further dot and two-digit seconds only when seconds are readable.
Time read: 8.03
